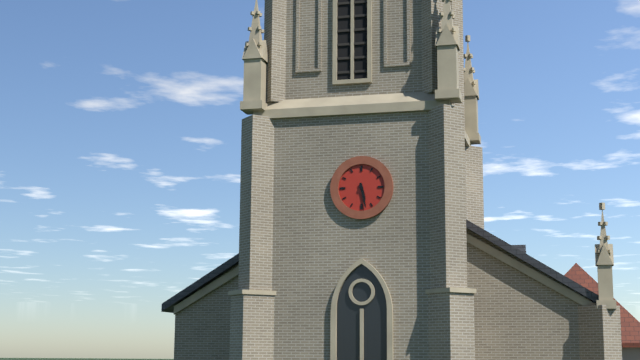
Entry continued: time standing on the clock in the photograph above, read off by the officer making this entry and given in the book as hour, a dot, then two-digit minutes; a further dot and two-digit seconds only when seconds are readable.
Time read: 5.28
